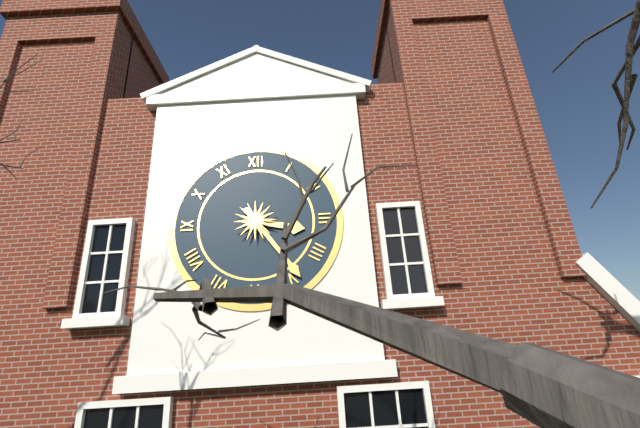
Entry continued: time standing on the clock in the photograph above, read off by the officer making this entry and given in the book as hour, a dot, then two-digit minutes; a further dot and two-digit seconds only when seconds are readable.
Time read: 3.24
